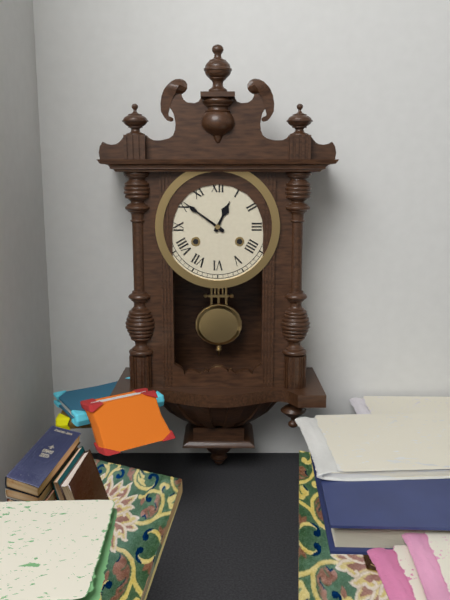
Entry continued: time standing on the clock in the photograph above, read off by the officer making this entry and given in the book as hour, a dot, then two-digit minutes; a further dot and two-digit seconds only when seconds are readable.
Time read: 12.51
